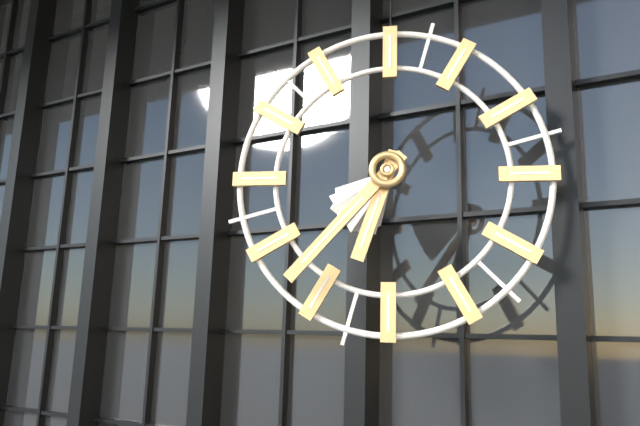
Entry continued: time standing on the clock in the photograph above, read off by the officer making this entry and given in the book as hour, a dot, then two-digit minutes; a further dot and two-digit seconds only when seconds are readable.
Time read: 6.37
